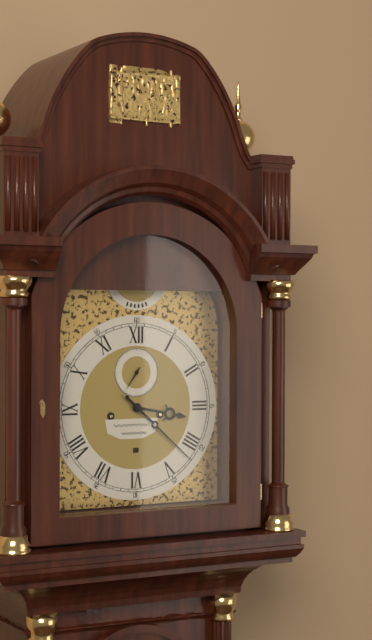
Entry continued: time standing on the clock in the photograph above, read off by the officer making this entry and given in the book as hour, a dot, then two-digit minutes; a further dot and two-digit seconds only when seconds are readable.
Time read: 3.22
